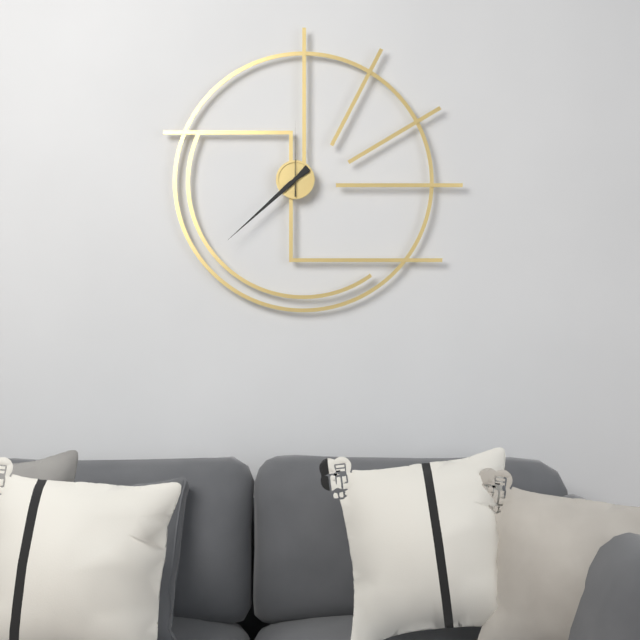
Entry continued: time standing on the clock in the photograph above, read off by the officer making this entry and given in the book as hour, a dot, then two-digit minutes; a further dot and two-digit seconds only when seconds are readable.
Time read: 7.38.00
